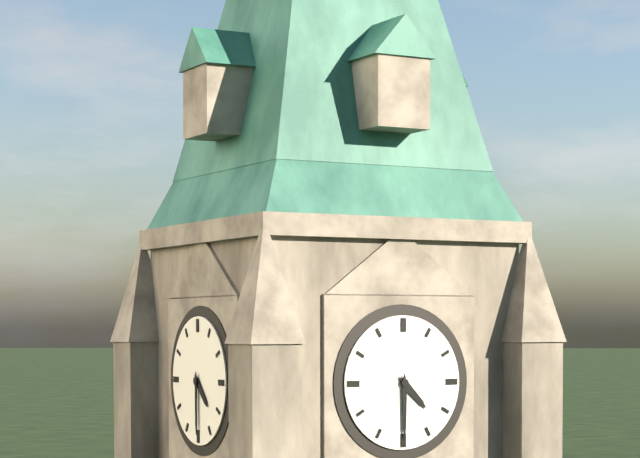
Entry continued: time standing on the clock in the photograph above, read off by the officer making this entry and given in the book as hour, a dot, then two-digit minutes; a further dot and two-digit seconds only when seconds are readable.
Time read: 4.30
